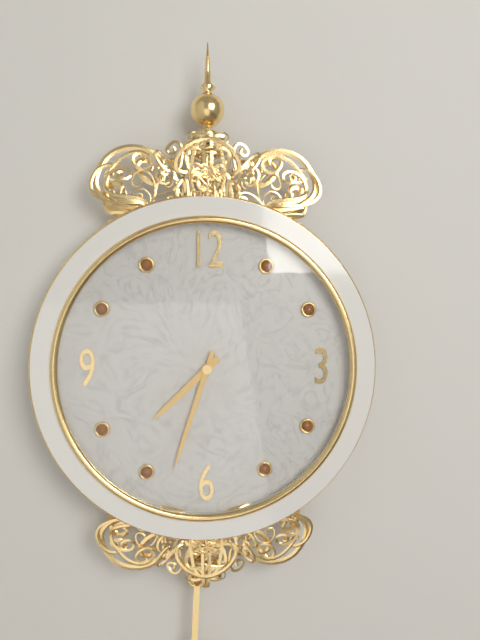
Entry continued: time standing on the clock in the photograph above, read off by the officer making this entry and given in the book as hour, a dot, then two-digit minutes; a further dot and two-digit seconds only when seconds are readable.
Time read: 7.33
